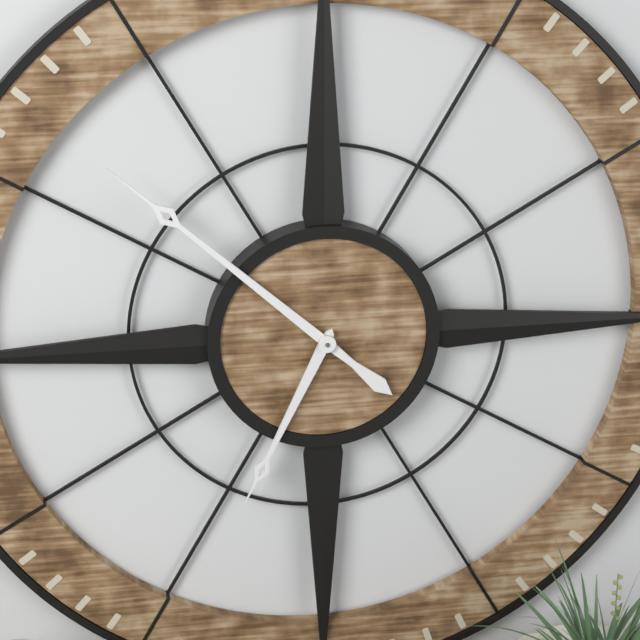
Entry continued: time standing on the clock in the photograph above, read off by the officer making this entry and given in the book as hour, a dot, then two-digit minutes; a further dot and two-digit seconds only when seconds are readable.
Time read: 6.52
